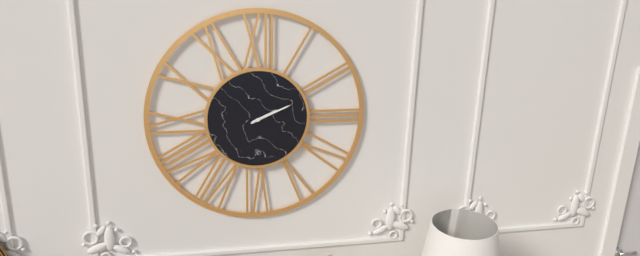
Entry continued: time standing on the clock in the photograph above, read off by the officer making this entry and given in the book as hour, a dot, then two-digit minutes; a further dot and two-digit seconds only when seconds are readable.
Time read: 2.11
